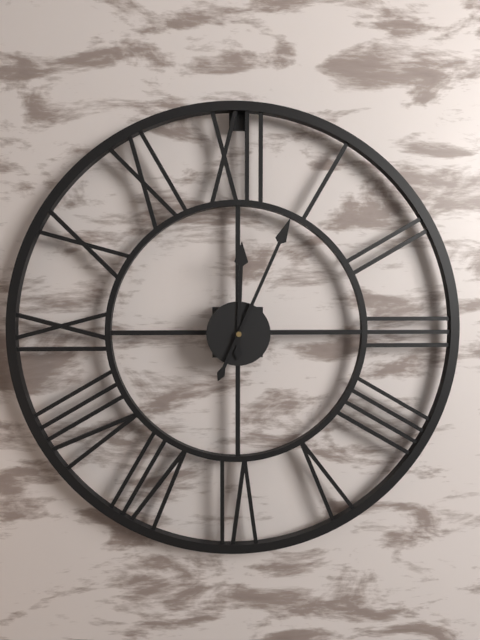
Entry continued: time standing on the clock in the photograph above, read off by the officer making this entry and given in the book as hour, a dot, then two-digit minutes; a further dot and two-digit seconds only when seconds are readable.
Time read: 12.04
